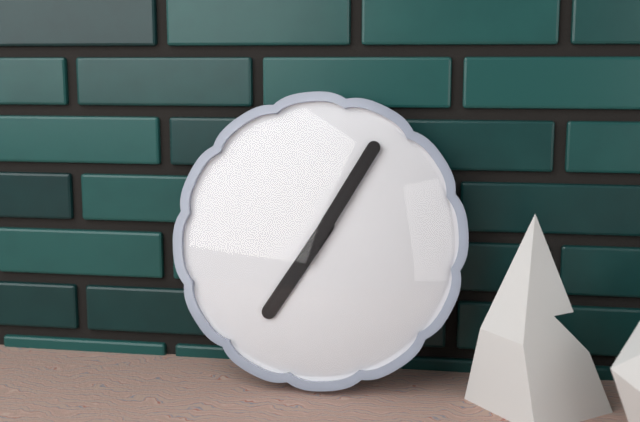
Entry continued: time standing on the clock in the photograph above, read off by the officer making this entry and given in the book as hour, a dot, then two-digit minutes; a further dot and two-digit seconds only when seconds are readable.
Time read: 7.05
